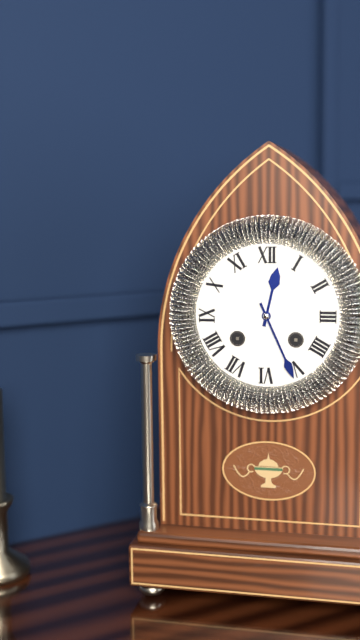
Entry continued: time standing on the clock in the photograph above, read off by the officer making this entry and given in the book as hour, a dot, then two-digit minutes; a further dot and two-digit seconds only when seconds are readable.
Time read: 12.26
